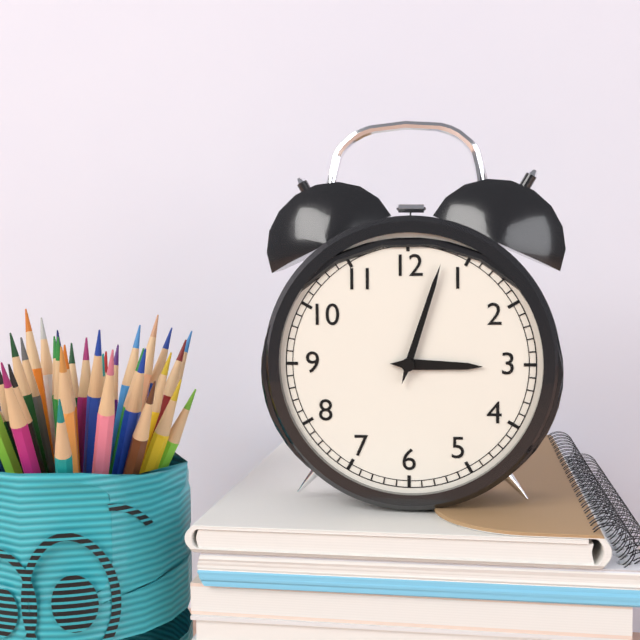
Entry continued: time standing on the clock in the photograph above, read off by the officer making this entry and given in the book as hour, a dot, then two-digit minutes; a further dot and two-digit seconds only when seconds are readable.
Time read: 3.03
